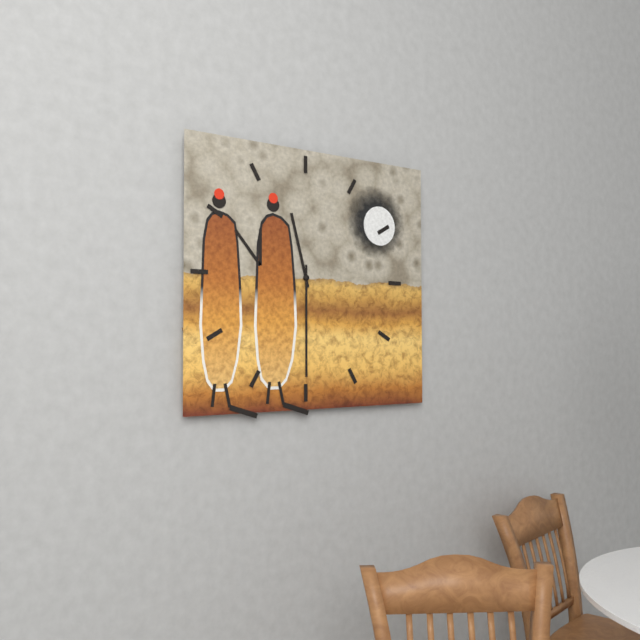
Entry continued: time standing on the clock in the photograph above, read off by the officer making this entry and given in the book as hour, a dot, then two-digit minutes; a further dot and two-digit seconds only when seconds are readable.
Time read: 11.30
